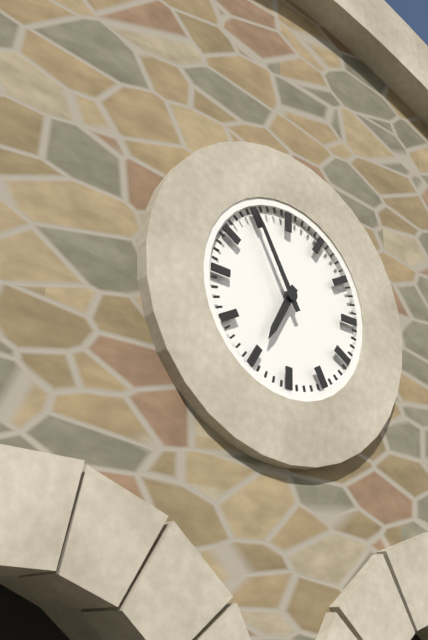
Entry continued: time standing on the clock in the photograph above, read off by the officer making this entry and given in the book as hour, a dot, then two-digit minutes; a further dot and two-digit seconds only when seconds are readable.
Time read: 6.55
